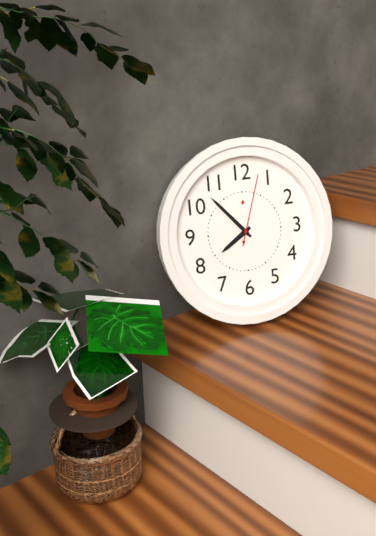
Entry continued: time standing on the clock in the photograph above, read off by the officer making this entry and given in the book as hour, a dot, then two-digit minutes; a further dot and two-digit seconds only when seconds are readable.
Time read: 7.53.03
